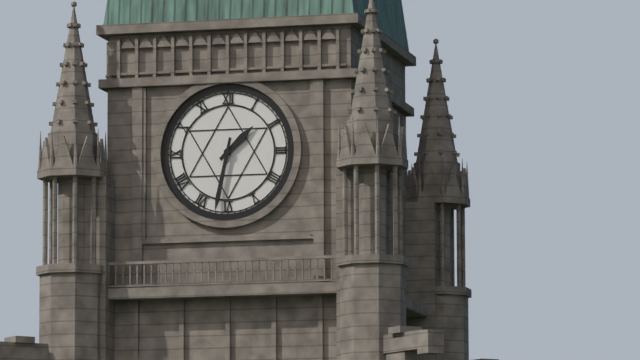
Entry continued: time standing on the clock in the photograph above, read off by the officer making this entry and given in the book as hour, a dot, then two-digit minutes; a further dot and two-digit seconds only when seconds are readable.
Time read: 1.32
